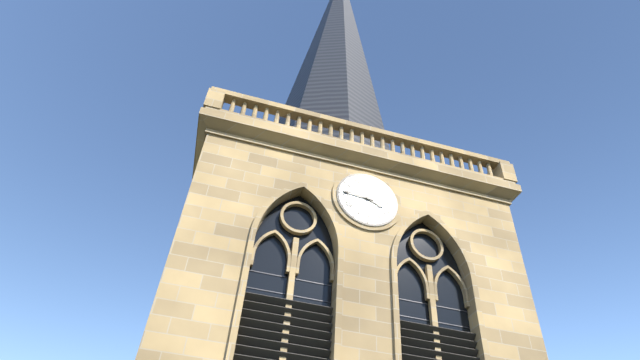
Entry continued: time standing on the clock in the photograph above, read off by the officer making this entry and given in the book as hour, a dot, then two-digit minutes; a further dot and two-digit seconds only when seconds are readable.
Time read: 3.46
